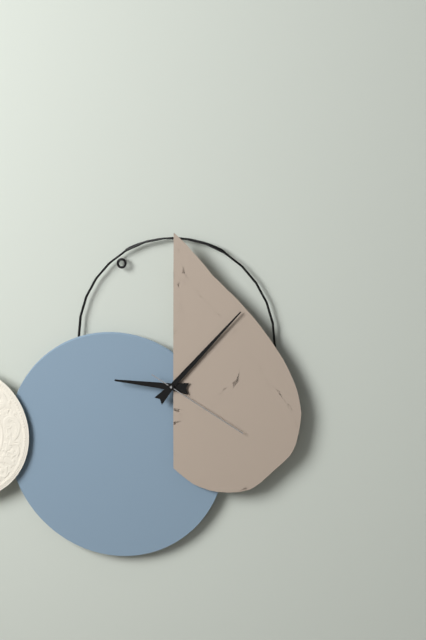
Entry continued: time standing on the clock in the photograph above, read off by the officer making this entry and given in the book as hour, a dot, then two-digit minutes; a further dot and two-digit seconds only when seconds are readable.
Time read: 9.07.20
